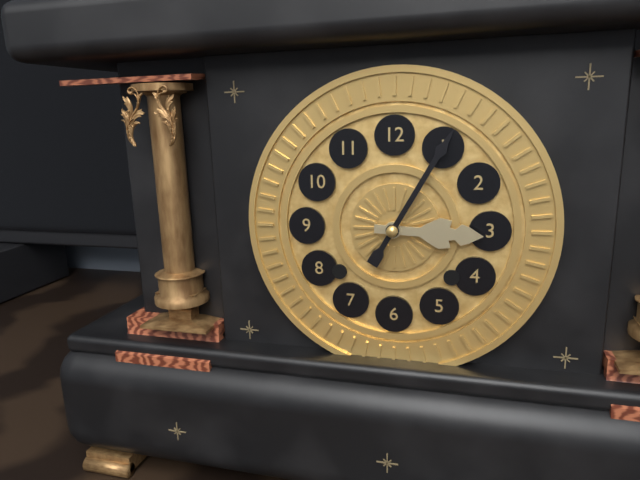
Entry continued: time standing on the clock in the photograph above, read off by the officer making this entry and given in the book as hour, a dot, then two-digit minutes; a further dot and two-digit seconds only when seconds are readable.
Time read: 3.05
